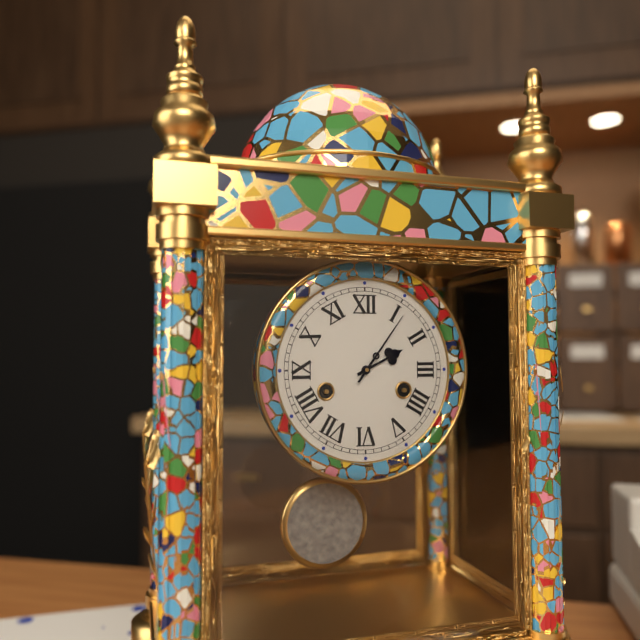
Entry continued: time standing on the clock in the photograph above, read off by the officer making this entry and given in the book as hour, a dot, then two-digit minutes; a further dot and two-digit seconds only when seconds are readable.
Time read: 2.06
